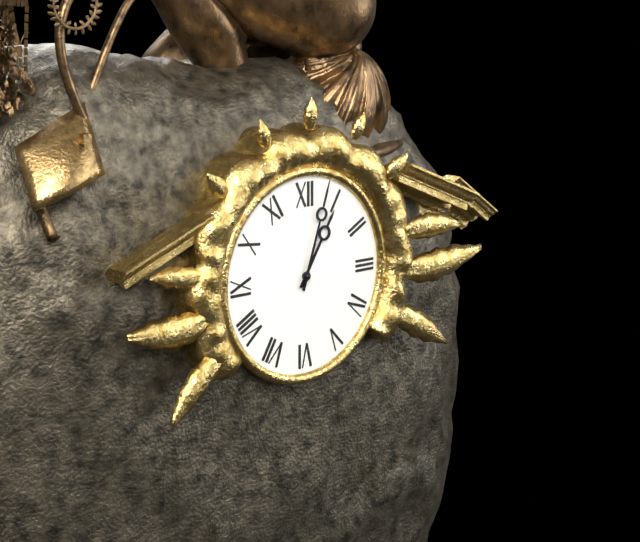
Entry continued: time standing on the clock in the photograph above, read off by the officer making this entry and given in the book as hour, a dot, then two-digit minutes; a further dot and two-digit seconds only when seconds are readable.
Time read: 1.03
